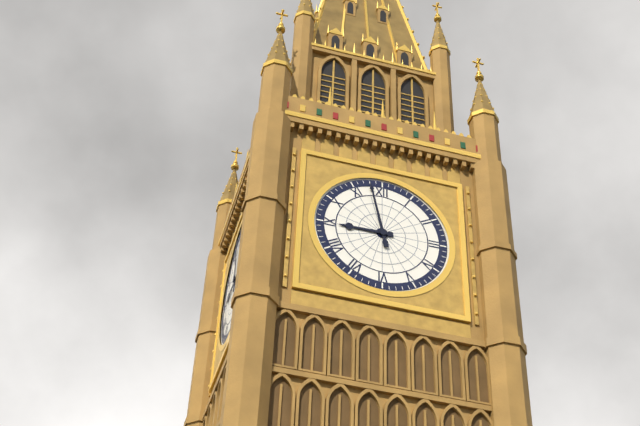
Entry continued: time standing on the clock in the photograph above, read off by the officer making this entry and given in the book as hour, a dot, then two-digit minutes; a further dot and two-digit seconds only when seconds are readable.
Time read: 8.58
